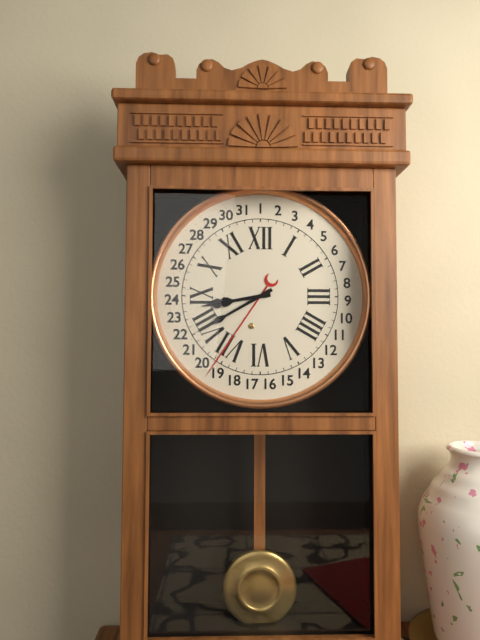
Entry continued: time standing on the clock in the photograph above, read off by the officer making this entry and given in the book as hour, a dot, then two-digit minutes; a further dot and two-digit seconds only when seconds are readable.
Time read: 8.40
